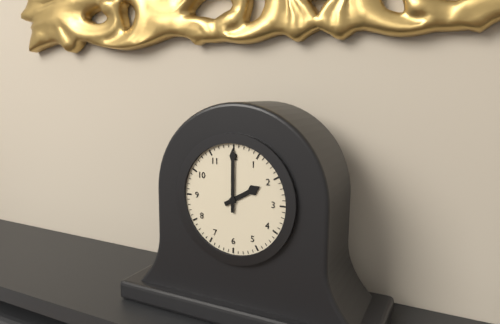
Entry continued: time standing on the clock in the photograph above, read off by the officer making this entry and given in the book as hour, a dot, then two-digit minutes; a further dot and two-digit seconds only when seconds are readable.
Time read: 2.00
